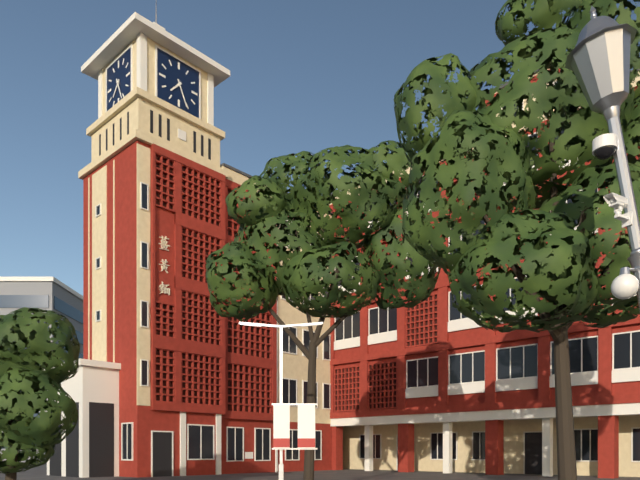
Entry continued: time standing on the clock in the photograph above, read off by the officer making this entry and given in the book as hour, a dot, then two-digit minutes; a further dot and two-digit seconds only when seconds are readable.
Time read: 7.26
